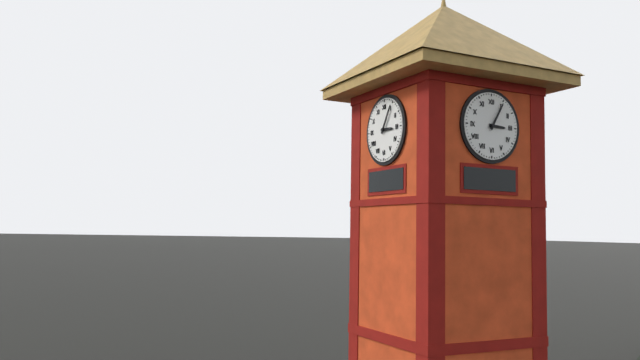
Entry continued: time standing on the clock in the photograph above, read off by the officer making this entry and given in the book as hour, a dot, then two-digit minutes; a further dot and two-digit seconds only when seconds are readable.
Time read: 3.05
